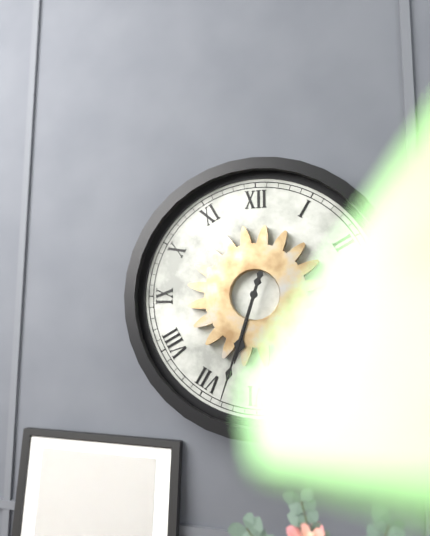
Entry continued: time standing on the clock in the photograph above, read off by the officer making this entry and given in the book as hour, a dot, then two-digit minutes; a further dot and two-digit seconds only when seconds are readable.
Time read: 6.33
